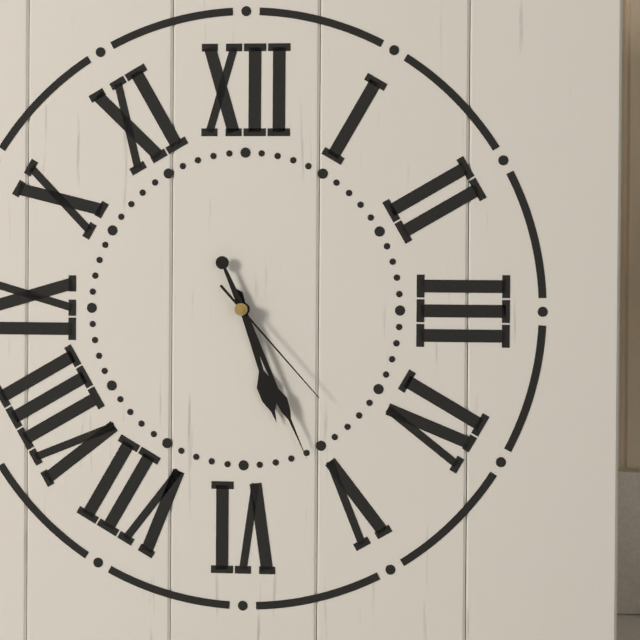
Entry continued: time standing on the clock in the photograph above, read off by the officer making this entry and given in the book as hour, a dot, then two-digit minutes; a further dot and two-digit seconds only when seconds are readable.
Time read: 5.26.23
